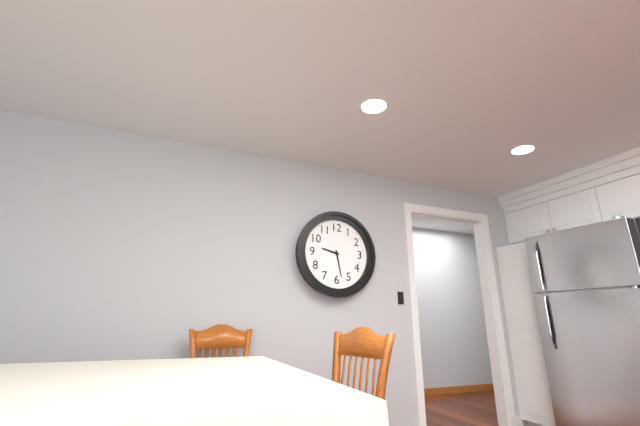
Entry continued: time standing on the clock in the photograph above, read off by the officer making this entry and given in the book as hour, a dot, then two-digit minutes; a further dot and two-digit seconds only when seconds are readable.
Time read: 9.28
